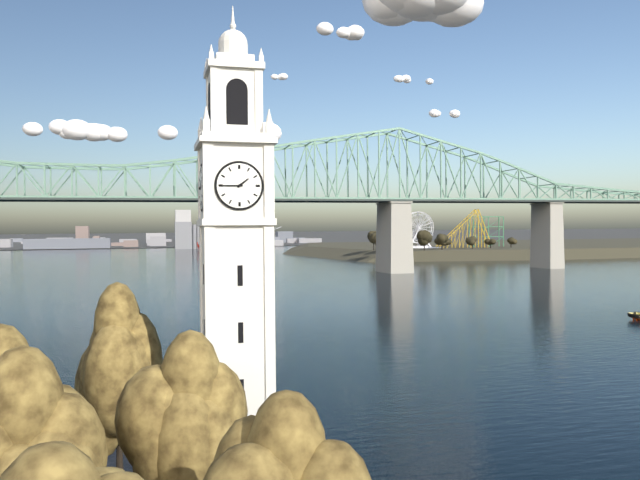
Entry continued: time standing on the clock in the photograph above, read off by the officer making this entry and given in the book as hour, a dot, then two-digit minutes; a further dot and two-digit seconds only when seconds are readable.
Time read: 1.45
